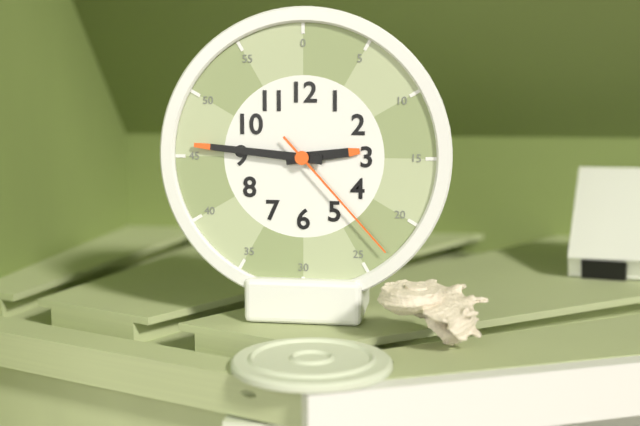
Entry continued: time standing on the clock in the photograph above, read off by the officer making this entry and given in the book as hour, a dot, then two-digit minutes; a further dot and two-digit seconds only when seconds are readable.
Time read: 2.46.23
